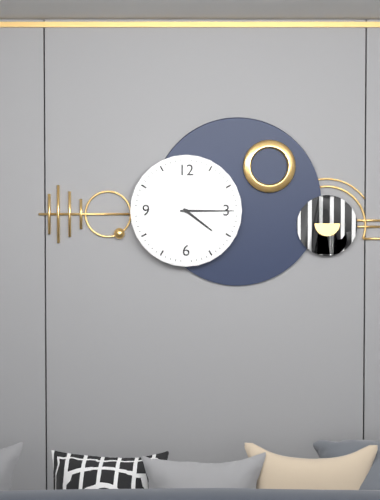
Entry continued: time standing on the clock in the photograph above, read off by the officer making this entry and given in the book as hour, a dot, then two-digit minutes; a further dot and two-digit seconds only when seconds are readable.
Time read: 4.15
